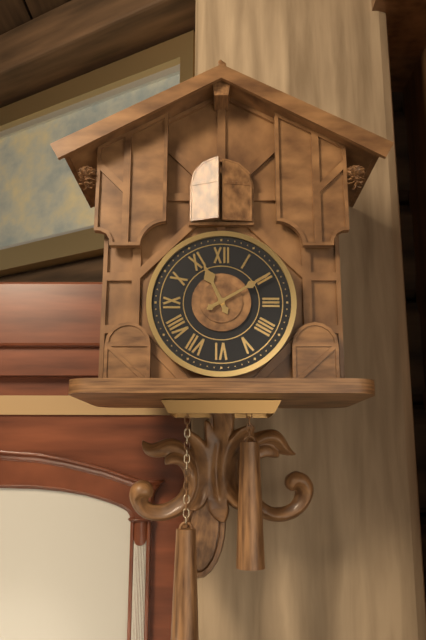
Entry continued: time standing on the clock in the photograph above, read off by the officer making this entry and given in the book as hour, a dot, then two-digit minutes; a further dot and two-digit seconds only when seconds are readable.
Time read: 11.10
